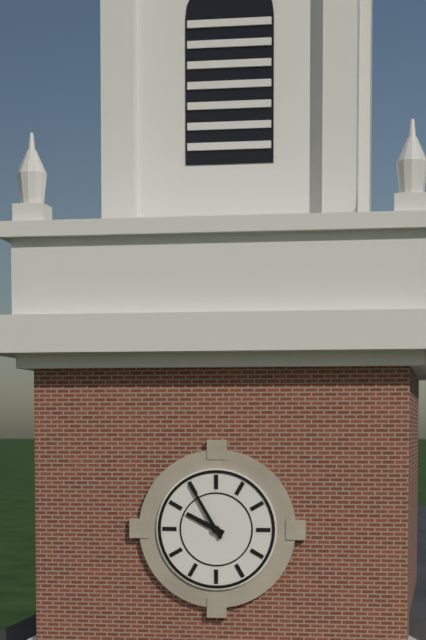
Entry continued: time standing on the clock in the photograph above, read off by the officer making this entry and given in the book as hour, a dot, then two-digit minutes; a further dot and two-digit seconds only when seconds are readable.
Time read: 9.55
